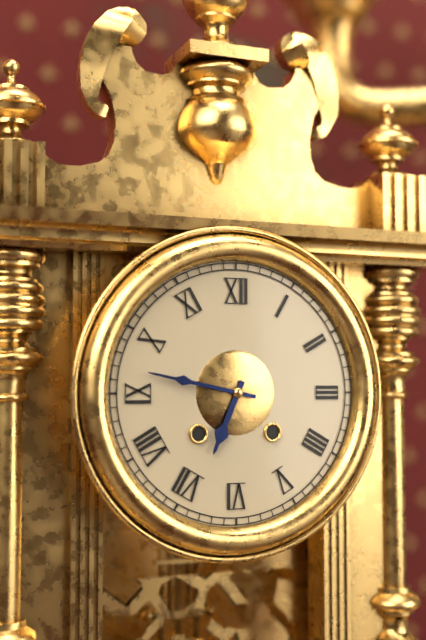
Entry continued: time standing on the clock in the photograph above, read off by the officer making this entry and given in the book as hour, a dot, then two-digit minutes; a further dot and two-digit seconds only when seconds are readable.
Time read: 6.47
